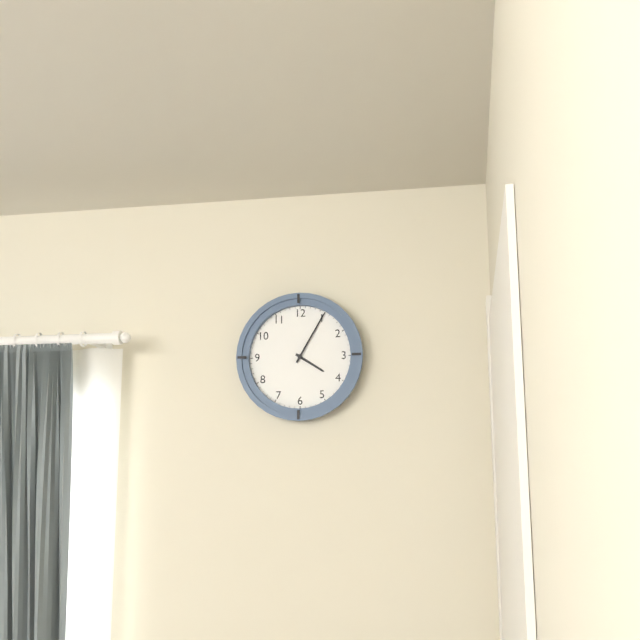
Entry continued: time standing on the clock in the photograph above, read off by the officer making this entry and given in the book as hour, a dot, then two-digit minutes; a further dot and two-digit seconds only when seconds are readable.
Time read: 4.05
